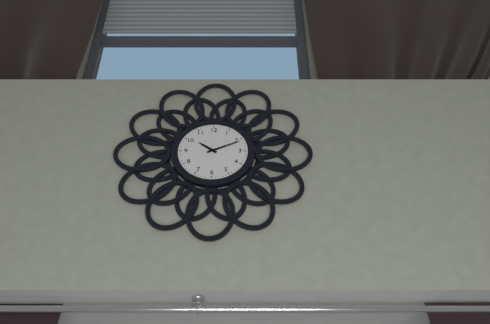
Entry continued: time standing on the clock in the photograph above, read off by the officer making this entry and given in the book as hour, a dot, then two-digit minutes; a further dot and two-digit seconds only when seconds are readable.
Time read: 10.11
